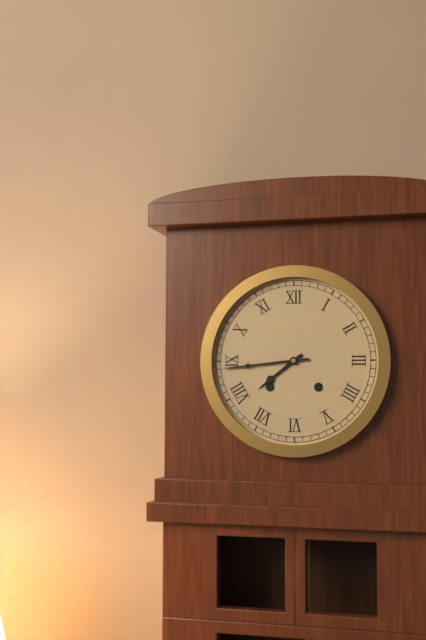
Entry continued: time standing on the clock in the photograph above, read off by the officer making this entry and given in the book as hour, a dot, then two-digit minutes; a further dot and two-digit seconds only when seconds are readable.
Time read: 7.44
